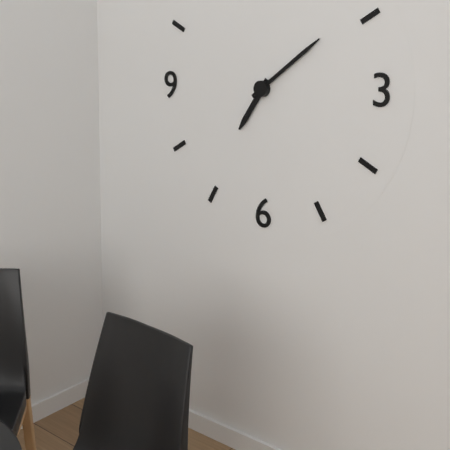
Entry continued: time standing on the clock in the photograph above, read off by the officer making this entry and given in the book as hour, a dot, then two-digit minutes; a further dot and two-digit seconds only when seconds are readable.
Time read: 7.09
